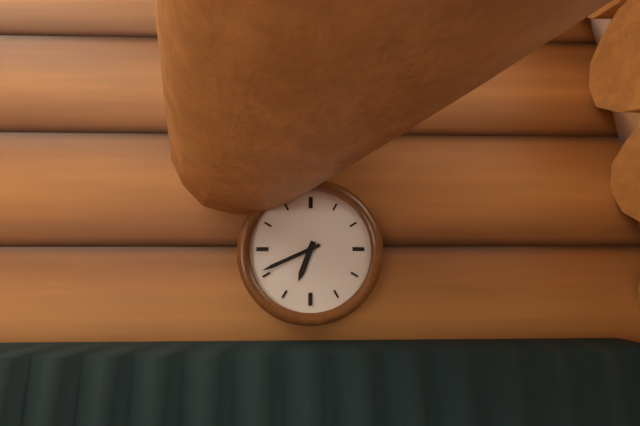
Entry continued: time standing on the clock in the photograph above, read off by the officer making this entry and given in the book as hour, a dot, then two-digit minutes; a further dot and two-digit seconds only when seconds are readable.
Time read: 6.41
